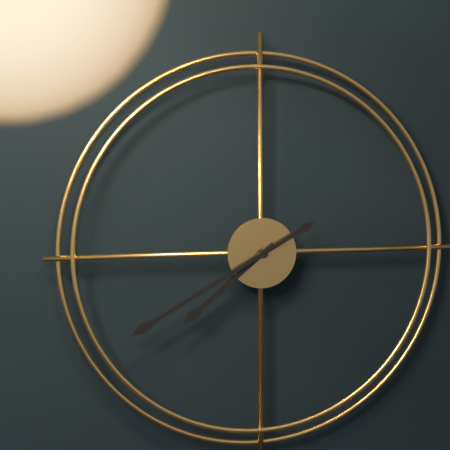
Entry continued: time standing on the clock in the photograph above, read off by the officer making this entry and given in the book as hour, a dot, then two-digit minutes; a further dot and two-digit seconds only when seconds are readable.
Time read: 7.40
